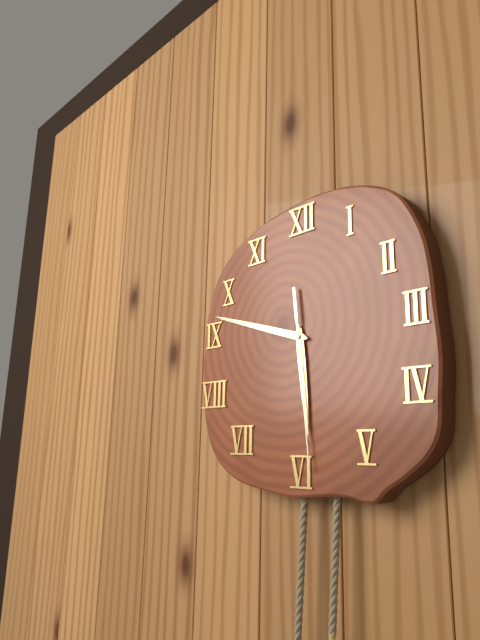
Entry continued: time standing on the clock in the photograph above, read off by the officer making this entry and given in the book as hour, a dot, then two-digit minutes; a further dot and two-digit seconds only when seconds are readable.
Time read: 5.48.29
